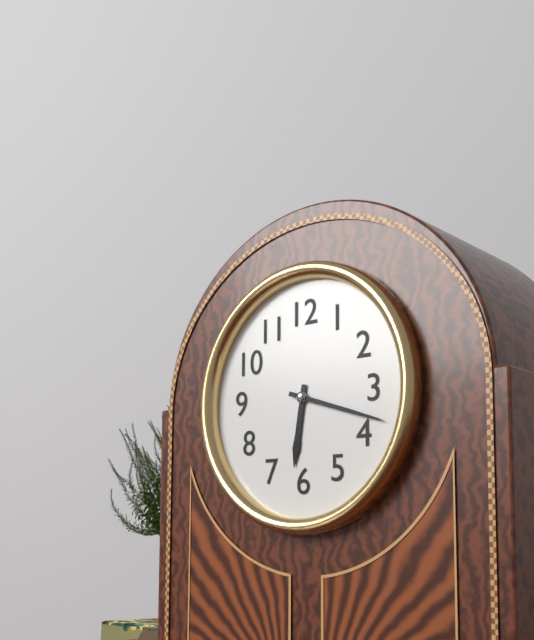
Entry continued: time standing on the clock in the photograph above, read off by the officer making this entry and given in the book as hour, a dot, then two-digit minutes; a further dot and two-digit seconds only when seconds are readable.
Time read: 6.18
